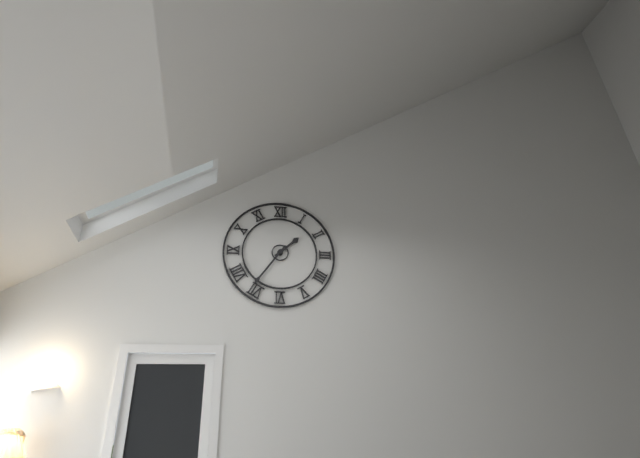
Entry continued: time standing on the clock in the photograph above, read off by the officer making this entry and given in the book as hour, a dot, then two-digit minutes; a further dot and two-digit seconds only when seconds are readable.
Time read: 1.36
